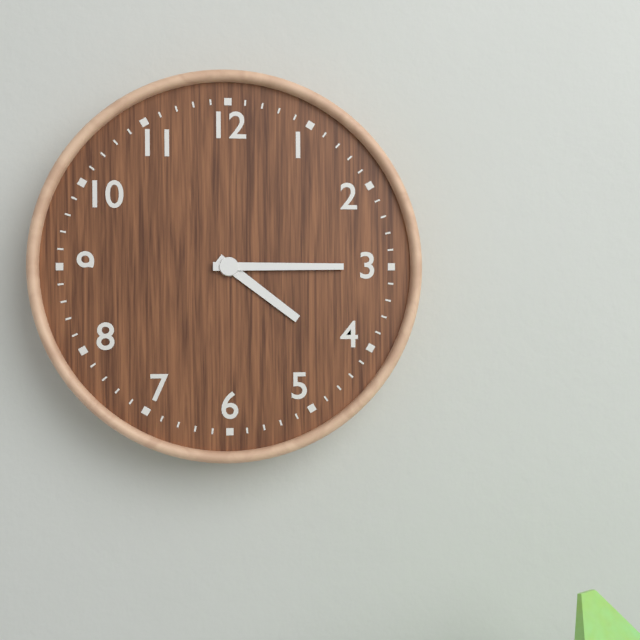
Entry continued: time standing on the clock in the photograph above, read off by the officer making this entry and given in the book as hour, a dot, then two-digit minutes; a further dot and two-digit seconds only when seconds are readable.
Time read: 4.15
